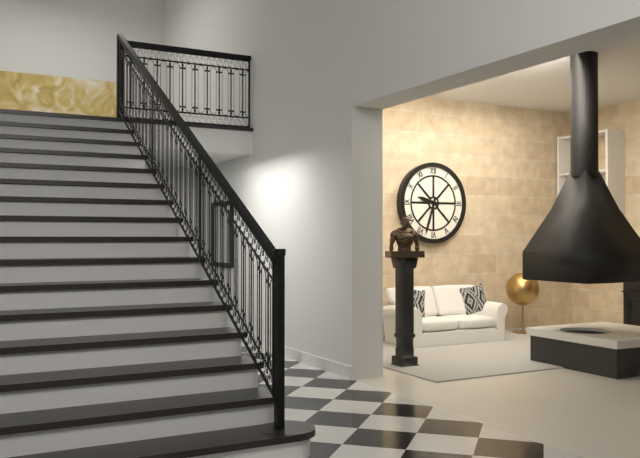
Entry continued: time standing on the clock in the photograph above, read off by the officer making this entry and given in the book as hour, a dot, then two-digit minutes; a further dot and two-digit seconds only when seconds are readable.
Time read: 9.33
